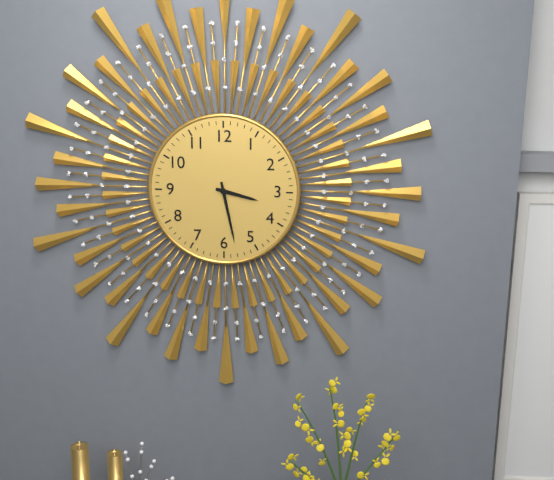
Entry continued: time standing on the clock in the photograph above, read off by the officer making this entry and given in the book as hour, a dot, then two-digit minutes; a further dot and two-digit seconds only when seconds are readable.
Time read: 3.28
